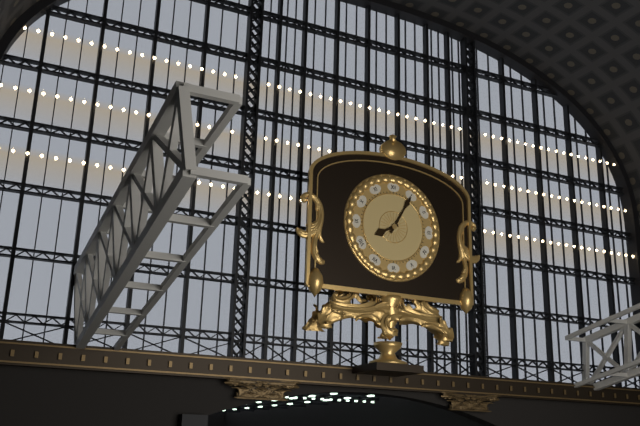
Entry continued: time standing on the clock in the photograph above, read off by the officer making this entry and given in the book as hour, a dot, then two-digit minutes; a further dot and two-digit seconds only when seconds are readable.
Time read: 8.05
